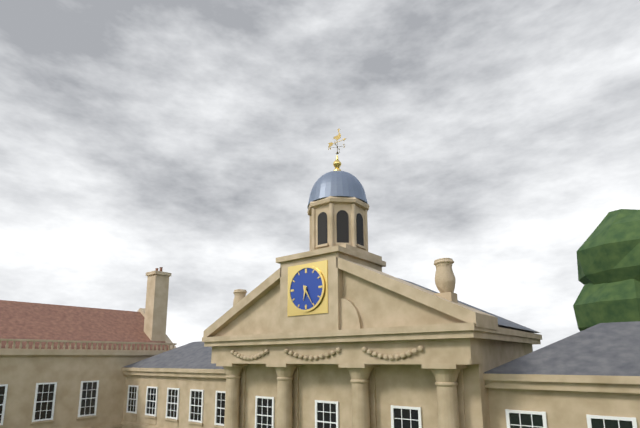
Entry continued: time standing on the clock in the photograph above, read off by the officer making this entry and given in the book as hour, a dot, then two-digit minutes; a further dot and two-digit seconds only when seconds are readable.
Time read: 6.25
